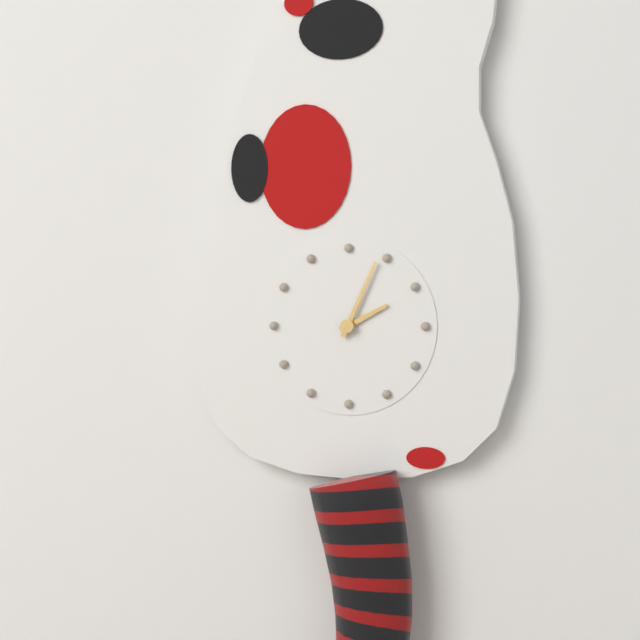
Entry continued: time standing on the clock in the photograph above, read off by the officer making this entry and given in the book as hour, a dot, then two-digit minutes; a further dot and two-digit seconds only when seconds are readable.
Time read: 2.04
